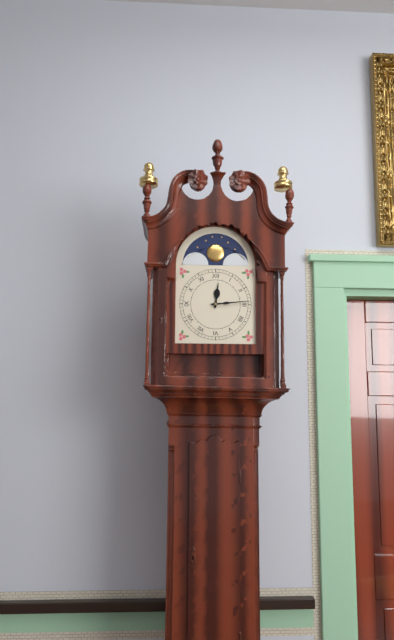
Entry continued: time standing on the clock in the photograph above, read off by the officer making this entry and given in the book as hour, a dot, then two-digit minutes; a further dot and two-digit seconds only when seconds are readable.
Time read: 12.14
